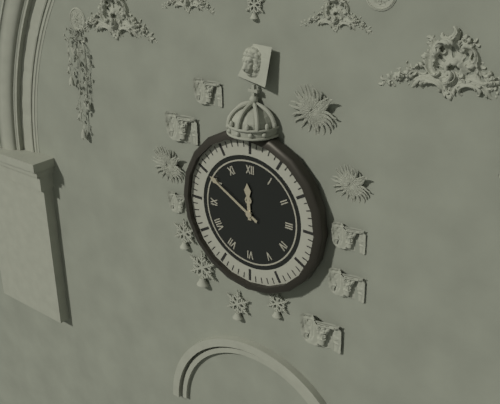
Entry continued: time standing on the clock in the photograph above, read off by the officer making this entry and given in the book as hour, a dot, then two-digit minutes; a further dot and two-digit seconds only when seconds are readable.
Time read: 11.50
